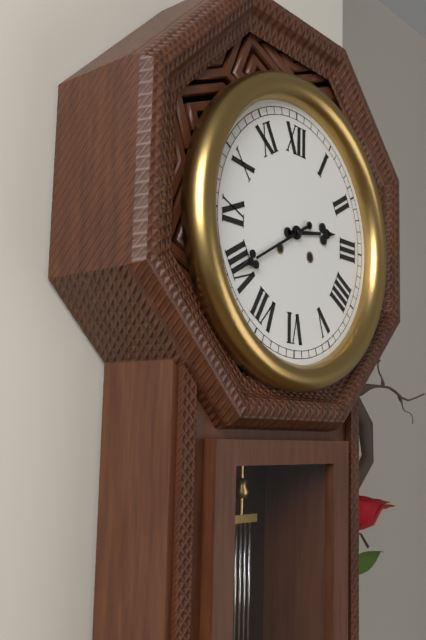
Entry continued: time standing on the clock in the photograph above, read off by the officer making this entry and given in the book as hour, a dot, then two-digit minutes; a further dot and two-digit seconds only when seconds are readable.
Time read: 2.40
